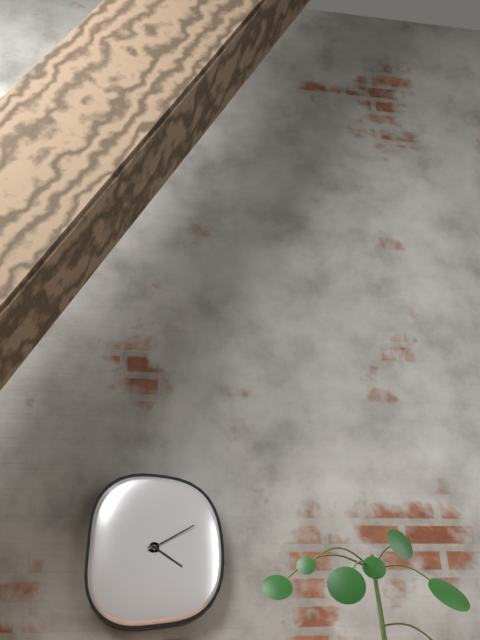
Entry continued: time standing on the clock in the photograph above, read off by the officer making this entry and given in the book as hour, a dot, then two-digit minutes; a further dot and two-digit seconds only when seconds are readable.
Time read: 4.10
